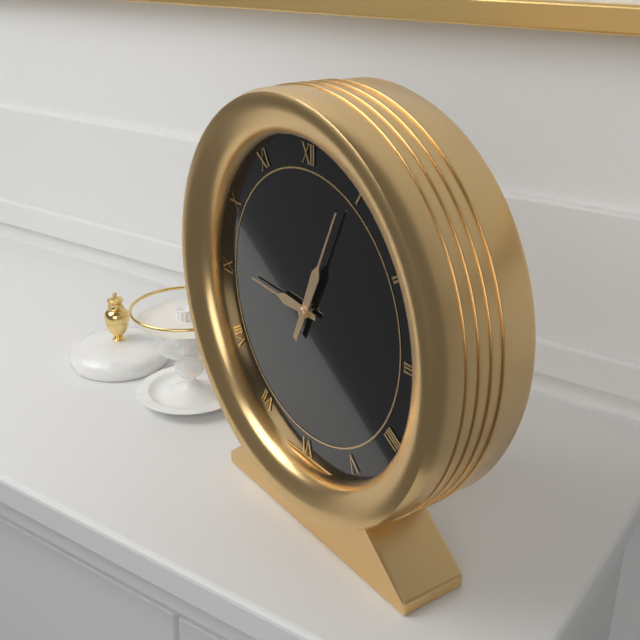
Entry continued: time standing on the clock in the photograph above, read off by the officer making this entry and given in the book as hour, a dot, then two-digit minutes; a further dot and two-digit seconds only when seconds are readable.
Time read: 9.04
